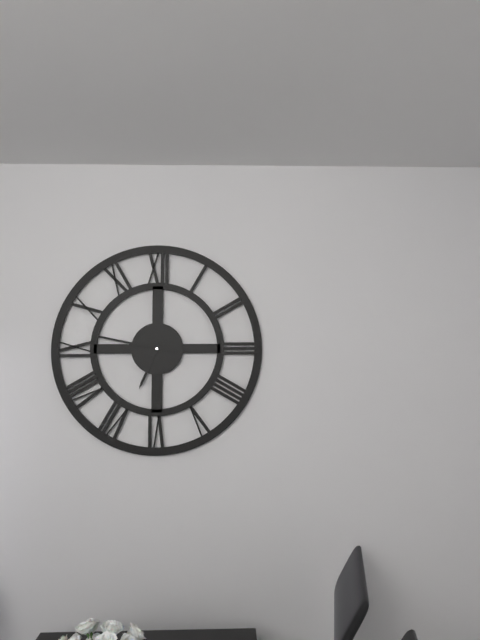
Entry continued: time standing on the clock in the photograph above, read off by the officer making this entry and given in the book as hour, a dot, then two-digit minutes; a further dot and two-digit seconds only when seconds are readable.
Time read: 6.47
